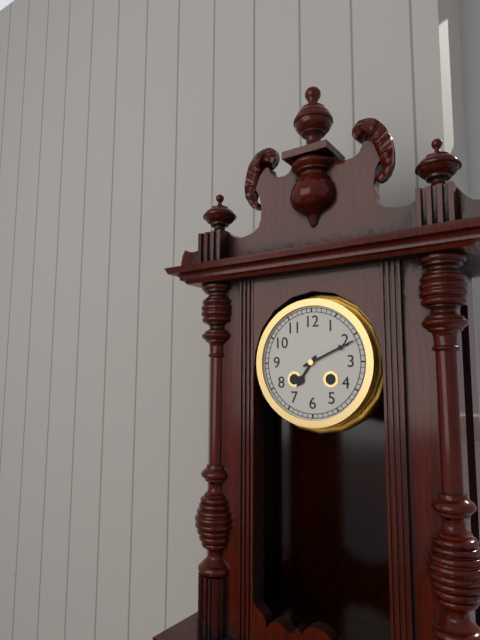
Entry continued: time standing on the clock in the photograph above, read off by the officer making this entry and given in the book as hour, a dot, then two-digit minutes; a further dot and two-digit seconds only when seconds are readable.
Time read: 7.11
